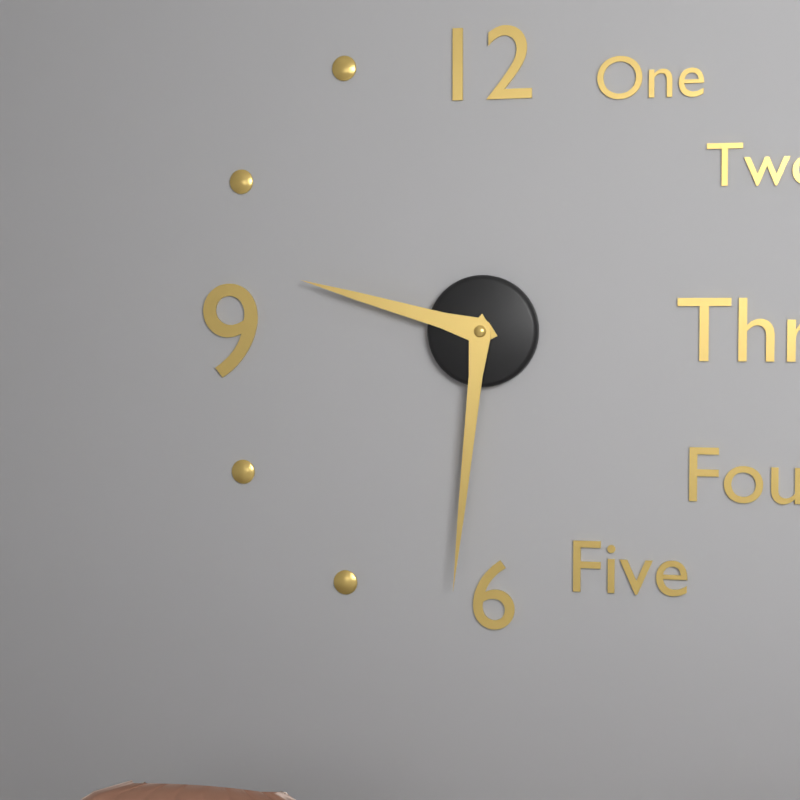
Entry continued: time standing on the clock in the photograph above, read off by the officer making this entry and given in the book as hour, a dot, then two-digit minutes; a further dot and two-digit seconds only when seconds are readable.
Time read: 9.31
